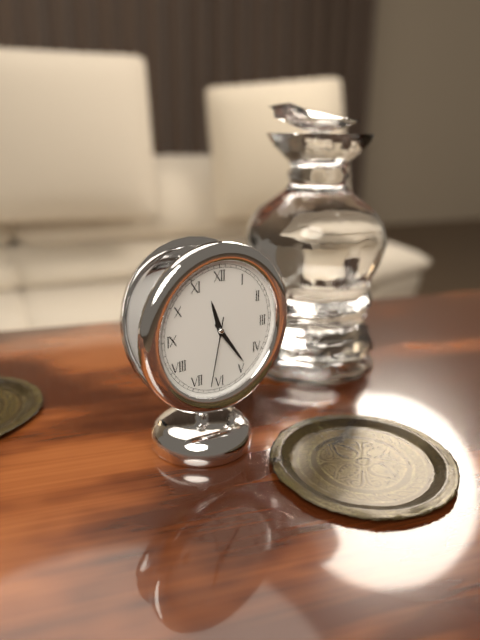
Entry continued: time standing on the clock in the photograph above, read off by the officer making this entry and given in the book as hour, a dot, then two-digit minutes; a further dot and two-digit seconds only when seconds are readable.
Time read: 11.24.32
